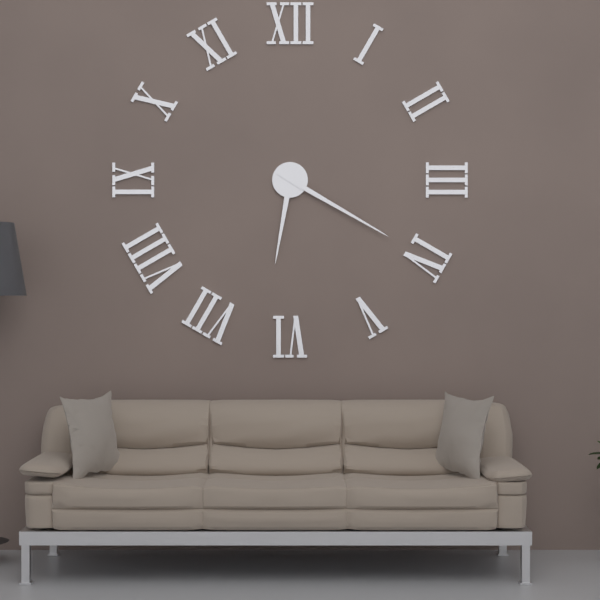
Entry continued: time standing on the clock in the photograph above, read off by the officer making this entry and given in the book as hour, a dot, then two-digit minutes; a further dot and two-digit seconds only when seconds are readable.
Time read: 6.20
